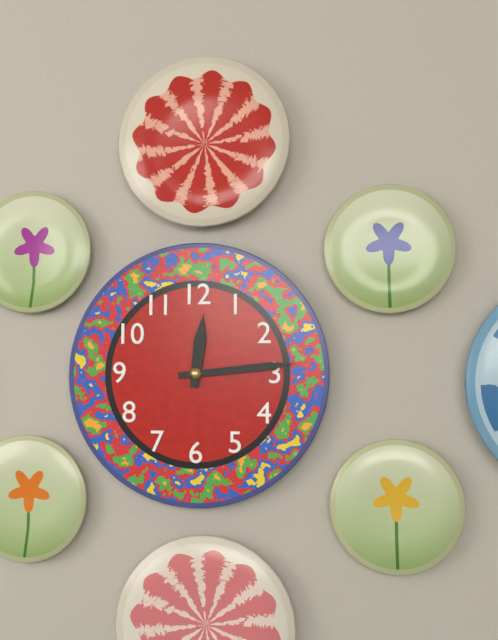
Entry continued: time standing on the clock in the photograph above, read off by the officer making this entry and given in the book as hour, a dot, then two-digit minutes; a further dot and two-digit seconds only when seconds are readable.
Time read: 12.14
